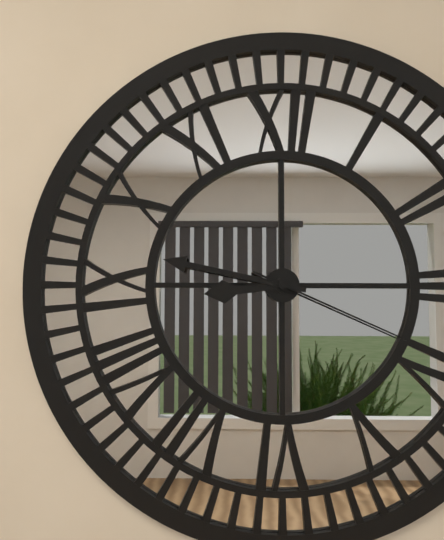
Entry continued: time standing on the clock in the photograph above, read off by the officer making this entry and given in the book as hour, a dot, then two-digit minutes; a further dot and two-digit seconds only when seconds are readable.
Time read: 8.47.19
